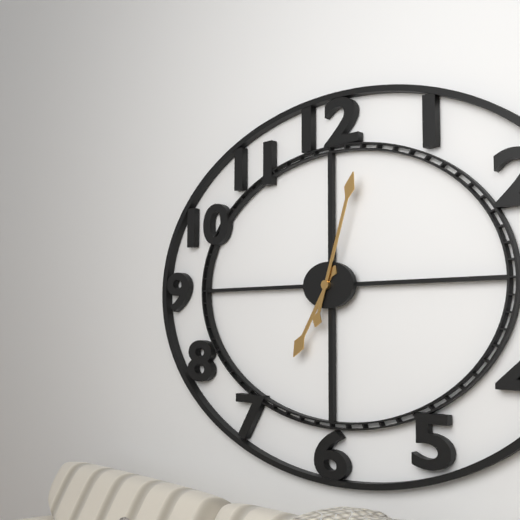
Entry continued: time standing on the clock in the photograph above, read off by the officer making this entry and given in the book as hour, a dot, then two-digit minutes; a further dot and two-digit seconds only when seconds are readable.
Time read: 7.03
